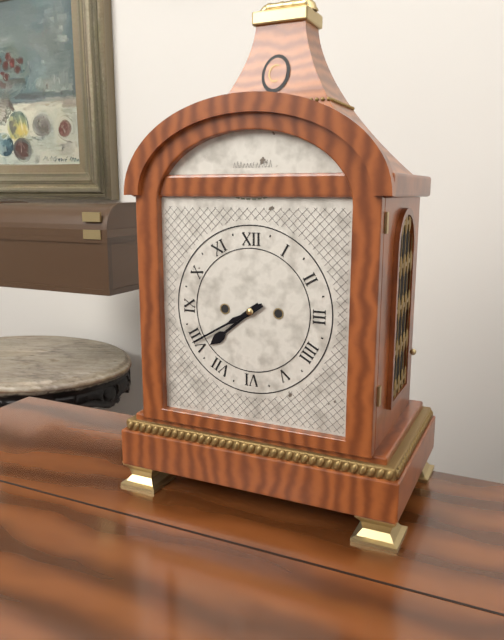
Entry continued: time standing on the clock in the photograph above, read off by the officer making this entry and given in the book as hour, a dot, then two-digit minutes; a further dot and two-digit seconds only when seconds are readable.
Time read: 7.40
